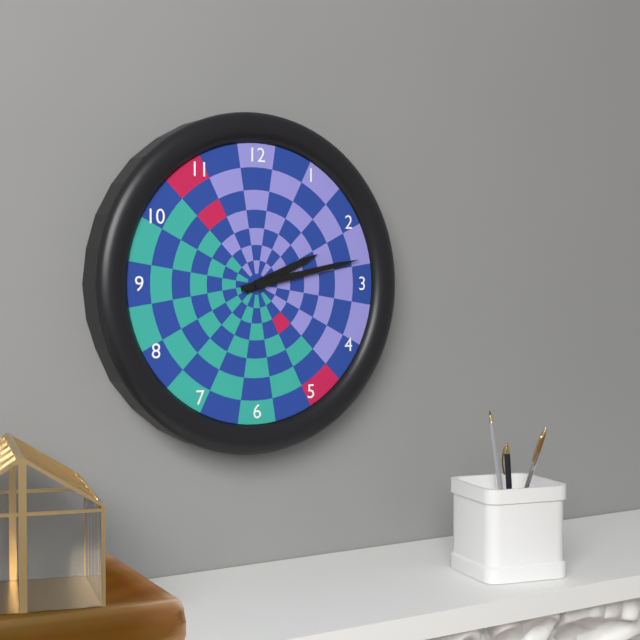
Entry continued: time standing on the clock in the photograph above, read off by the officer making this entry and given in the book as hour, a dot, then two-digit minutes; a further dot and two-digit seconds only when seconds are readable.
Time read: 2.13
